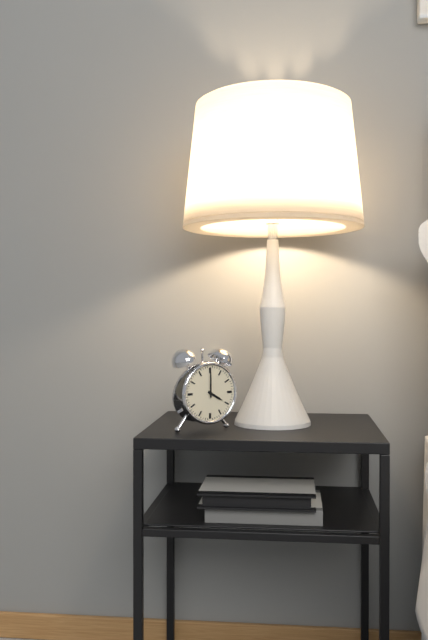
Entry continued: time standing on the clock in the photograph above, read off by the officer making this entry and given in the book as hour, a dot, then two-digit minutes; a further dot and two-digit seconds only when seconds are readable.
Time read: 4.00
